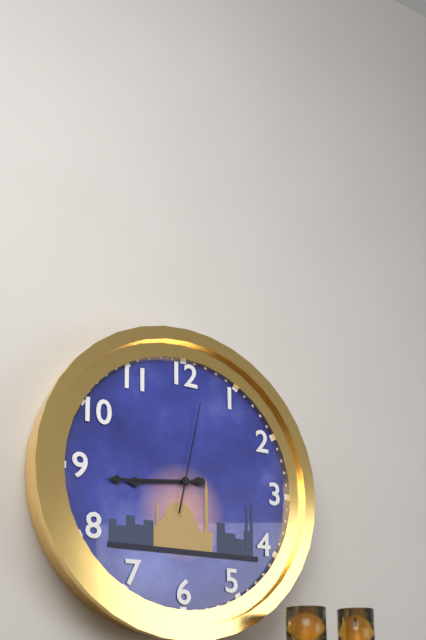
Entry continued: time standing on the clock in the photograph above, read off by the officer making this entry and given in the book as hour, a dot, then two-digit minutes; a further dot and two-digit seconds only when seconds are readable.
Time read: 8.44.02
